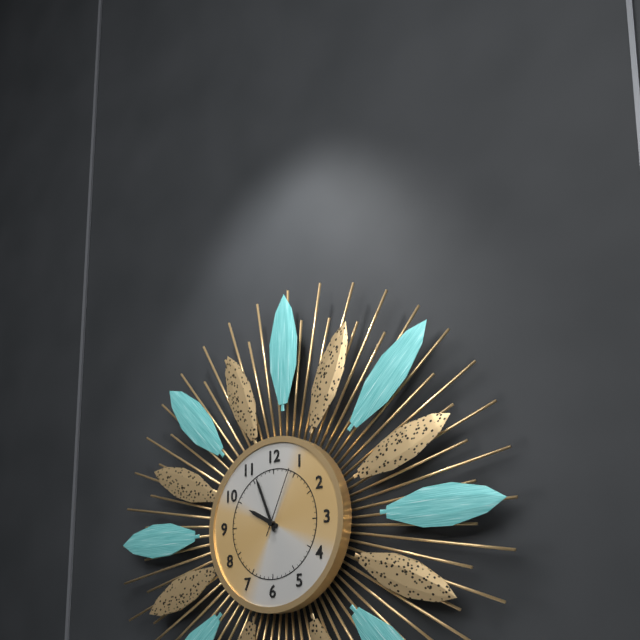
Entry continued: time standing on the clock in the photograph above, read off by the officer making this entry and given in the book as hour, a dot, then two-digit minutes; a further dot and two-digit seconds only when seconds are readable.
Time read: 9.56.04
